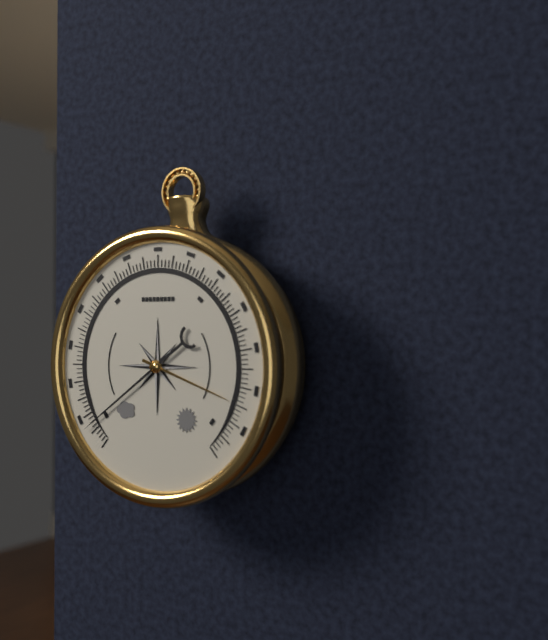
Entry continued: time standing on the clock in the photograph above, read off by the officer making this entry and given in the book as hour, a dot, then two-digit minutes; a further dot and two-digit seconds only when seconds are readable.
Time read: 3.39
